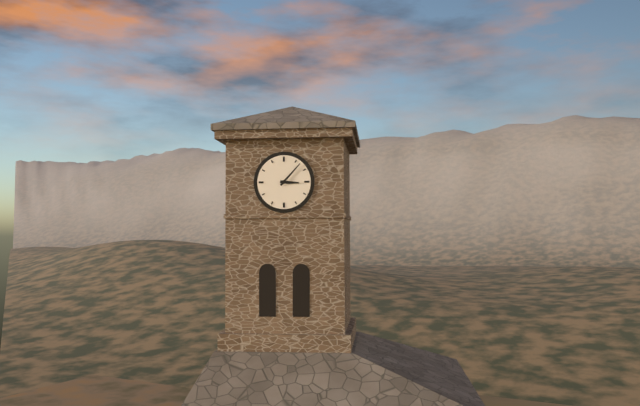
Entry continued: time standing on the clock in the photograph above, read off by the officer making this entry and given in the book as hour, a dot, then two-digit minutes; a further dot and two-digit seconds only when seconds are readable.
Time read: 3.07
